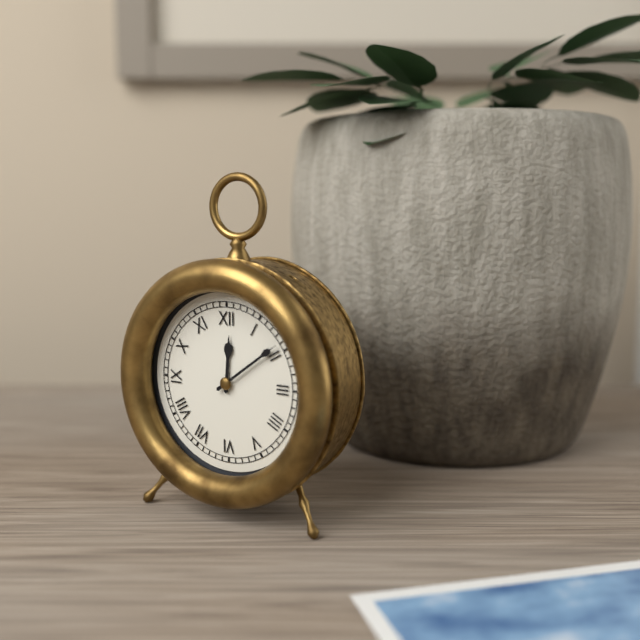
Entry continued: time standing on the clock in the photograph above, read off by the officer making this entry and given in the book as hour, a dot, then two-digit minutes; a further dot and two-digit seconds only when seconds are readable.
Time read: 12.09
